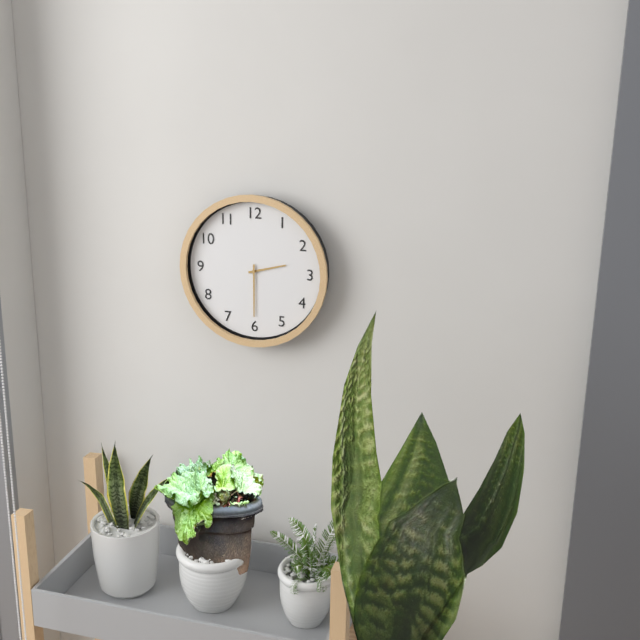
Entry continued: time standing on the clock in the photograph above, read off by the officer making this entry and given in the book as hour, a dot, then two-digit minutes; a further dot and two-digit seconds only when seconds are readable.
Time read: 2.30
